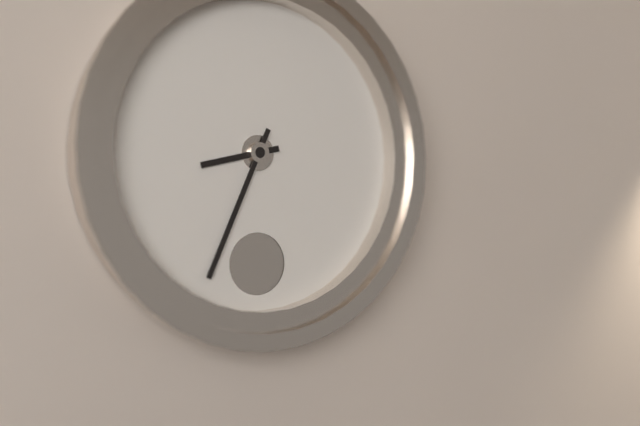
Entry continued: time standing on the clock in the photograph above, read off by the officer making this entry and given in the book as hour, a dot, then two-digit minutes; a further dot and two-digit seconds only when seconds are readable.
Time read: 8.34
